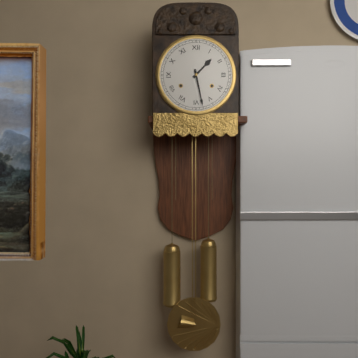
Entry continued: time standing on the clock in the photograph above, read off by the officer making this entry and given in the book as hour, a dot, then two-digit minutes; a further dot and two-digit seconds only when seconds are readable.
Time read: 1.28
